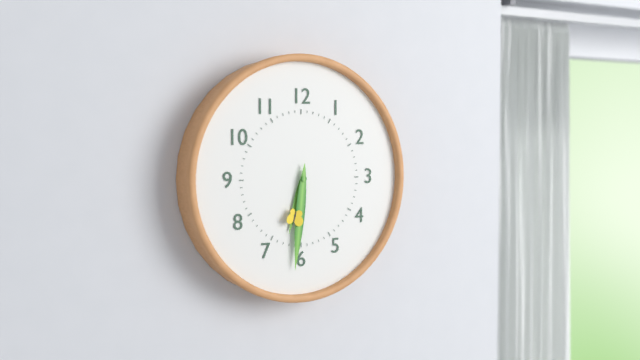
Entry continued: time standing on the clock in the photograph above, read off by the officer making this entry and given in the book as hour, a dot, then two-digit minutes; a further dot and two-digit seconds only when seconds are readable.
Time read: 6.31
